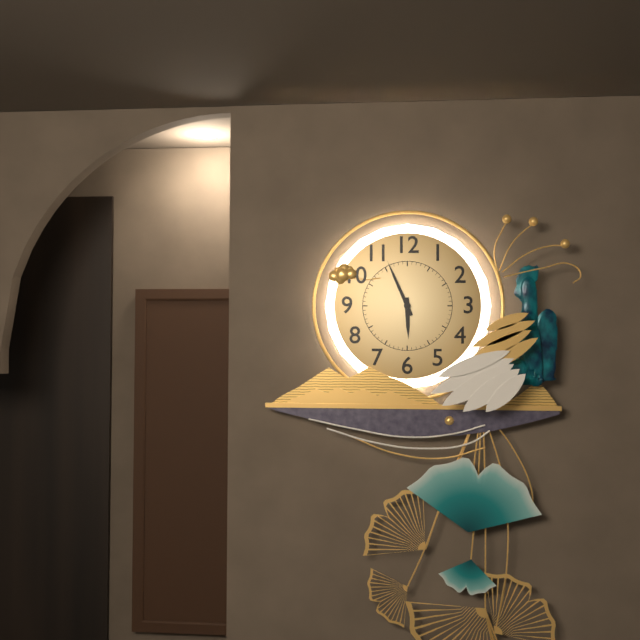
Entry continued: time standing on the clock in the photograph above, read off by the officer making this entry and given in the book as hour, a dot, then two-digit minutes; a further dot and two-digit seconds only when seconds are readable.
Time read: 5.56
